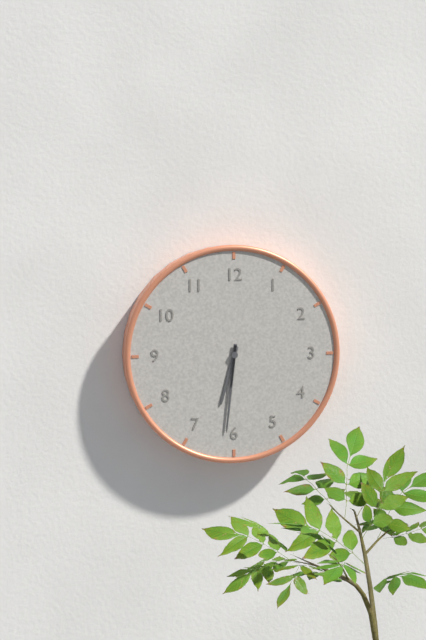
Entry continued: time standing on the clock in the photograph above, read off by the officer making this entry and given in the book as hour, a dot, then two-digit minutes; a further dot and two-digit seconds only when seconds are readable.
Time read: 6.31
